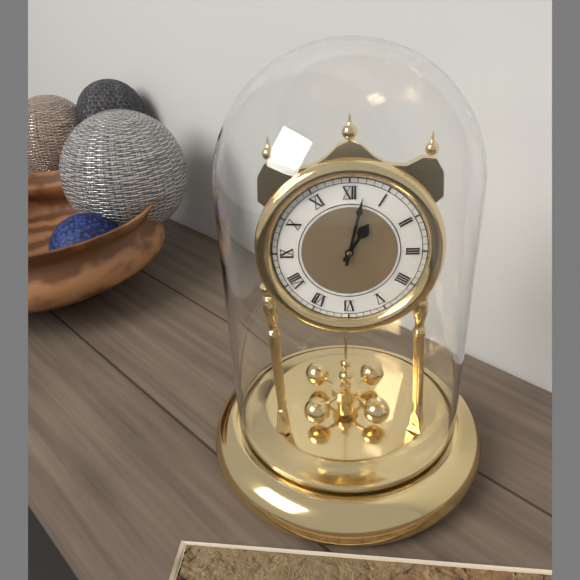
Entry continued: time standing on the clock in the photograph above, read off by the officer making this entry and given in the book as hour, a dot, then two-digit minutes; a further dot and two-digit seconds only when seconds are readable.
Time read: 1.02
